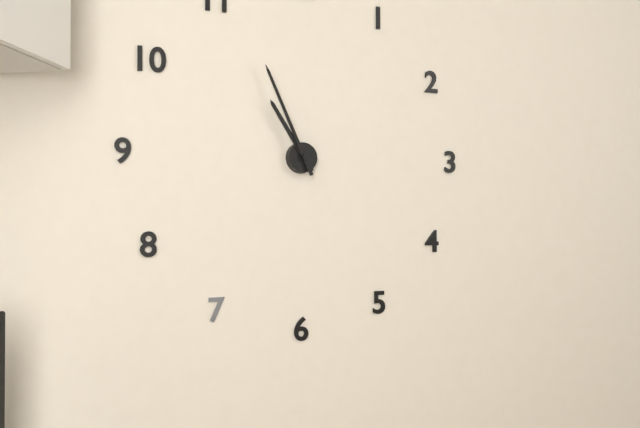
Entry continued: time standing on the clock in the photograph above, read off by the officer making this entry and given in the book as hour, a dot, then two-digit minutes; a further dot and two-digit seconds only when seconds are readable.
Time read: 10.56
